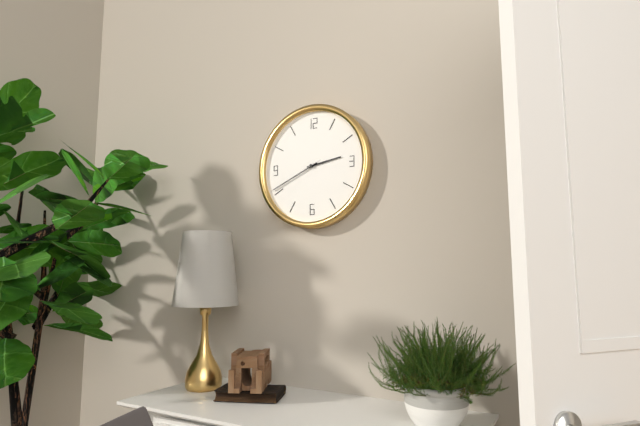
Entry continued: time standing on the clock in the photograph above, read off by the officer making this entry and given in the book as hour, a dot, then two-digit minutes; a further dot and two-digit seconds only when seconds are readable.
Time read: 2.41.41
